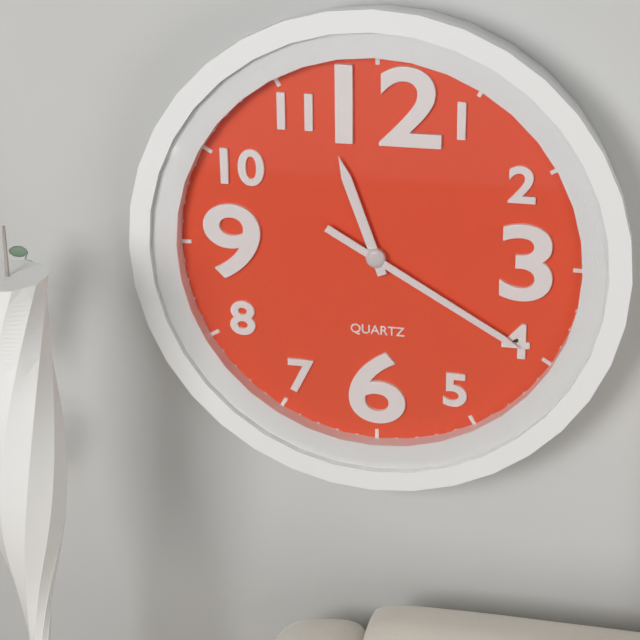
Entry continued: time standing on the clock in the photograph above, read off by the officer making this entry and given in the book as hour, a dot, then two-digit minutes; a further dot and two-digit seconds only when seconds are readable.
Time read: 11.20
